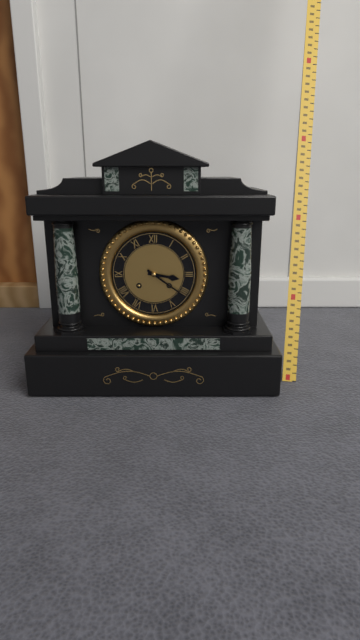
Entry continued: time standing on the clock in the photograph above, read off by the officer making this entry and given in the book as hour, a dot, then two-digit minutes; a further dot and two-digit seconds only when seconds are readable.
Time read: 3.21
